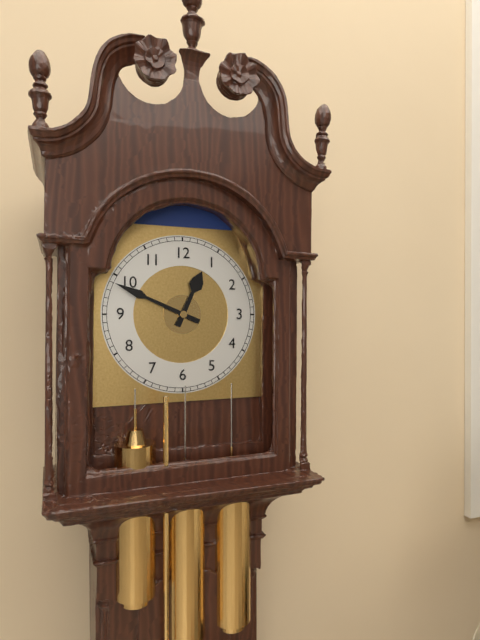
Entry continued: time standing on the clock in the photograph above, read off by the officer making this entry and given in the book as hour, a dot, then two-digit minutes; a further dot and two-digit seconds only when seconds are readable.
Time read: 12.49
